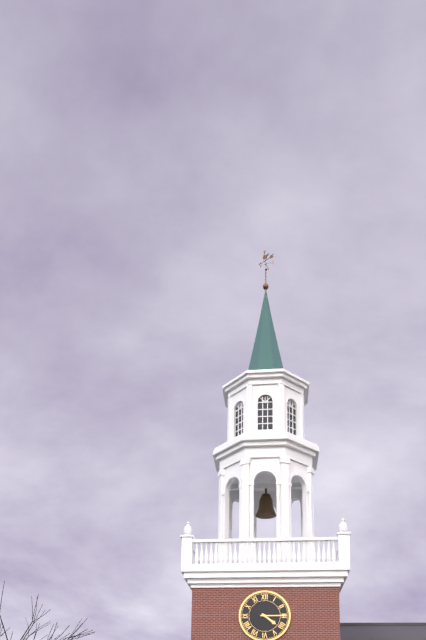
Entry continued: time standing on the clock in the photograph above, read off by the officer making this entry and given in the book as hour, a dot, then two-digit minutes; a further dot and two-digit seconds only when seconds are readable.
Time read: 4.15
